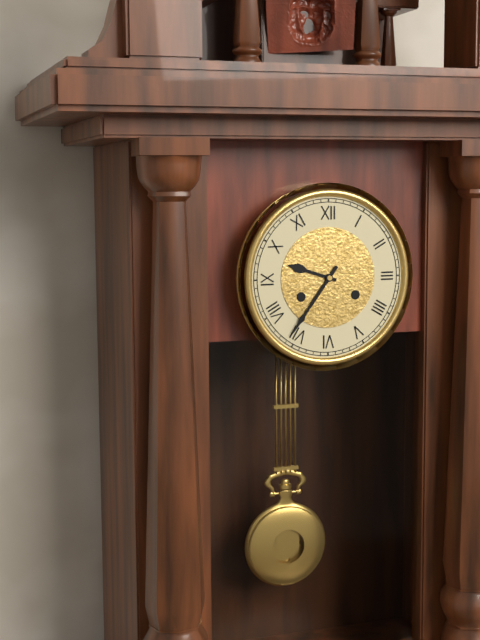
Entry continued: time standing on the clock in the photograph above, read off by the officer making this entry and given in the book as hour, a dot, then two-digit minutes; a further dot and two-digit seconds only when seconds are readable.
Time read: 9.36
